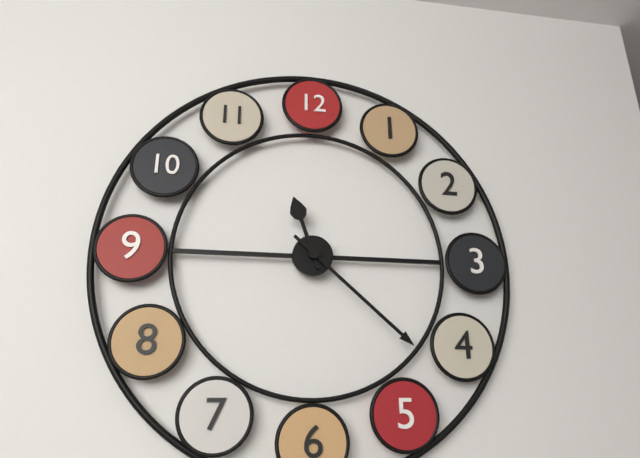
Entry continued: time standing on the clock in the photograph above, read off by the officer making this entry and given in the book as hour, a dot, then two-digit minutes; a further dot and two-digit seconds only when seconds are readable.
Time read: 11.22
